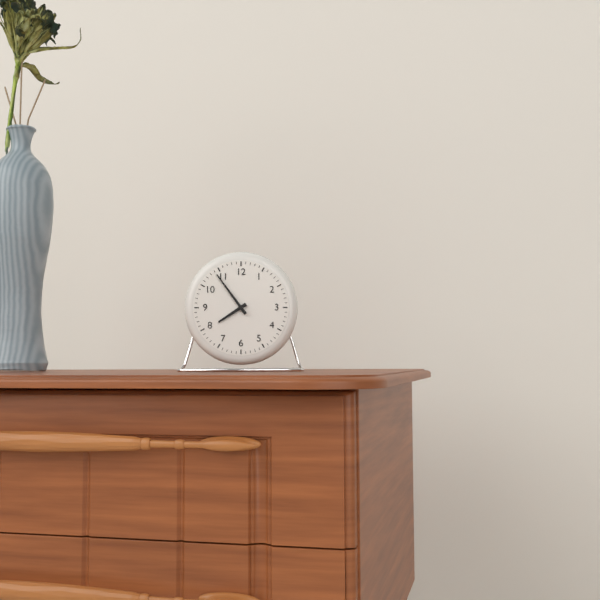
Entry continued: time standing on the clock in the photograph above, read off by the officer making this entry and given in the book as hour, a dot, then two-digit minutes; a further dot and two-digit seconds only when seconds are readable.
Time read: 7.54
